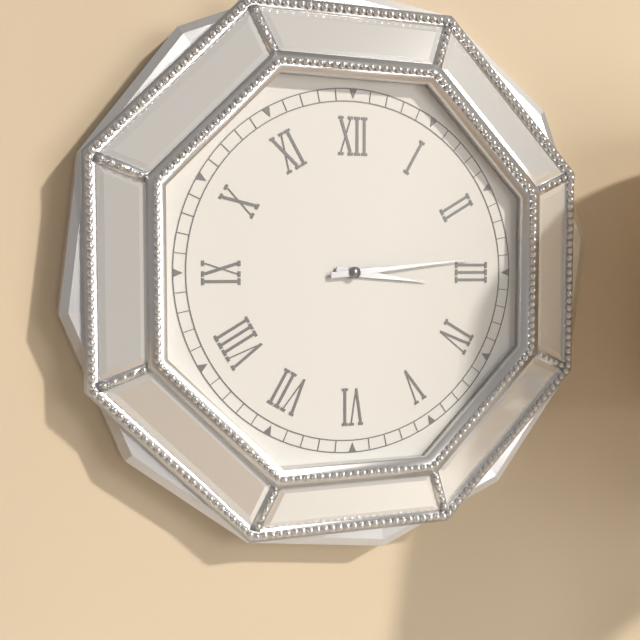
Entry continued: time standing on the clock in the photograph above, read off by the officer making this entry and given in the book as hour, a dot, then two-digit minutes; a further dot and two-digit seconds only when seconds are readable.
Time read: 3.14
